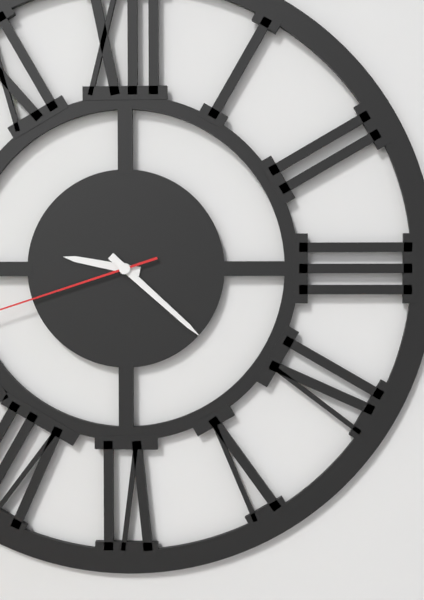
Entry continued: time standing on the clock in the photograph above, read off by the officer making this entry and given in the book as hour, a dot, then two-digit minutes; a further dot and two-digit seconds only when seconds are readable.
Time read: 9.22
